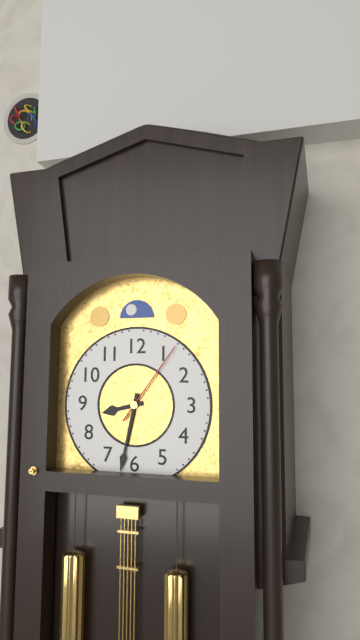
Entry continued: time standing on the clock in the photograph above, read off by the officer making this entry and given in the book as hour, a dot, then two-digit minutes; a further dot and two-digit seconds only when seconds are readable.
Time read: 8.32.06
